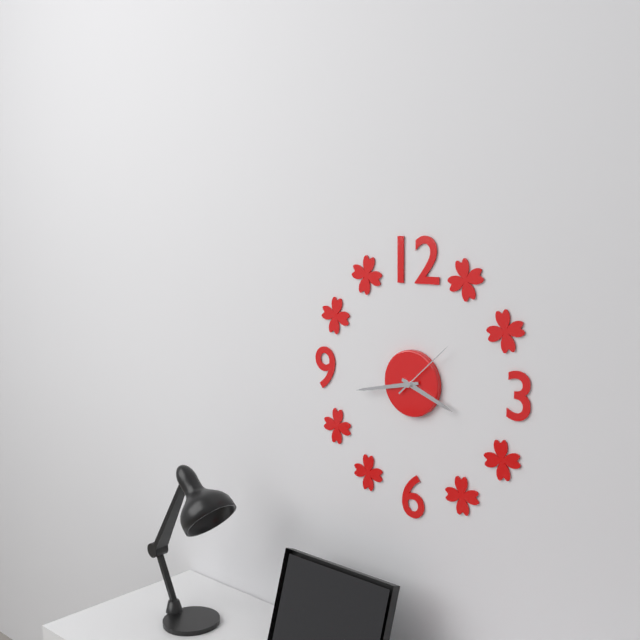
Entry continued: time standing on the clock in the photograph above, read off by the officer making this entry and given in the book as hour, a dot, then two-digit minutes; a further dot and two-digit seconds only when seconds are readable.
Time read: 3.43.08
